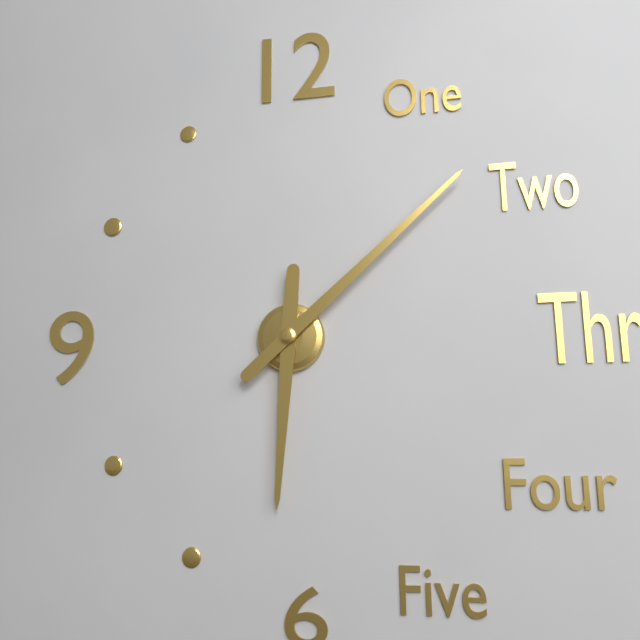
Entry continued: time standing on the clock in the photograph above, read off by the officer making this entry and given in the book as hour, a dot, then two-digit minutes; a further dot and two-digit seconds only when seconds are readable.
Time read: 6.08
